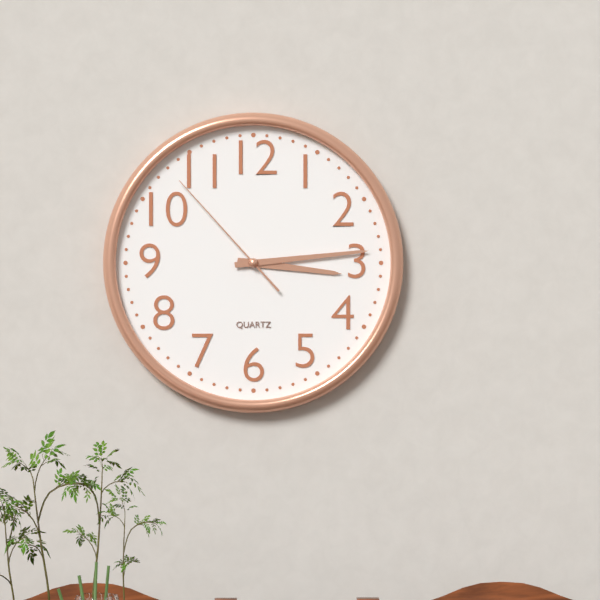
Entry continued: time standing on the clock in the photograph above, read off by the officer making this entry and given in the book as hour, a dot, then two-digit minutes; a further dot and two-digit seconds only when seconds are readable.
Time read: 3.14.53
